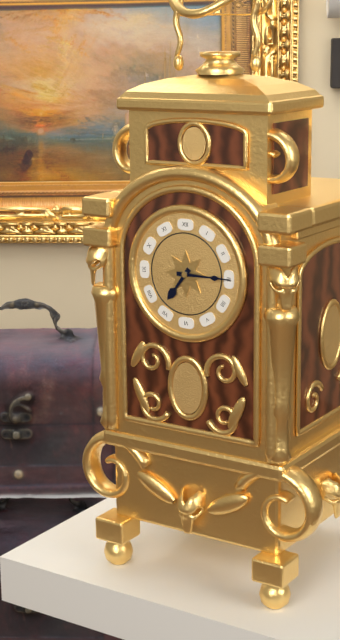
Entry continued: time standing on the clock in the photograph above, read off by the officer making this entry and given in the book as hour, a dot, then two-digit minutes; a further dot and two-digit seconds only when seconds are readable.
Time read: 7.15
